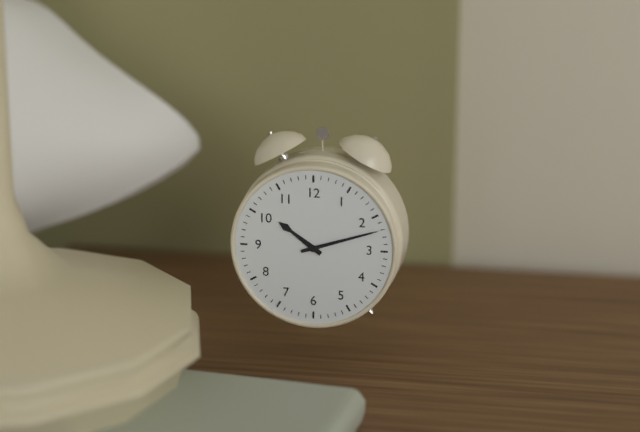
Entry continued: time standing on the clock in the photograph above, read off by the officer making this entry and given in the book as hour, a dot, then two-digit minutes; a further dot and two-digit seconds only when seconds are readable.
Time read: 10.12
